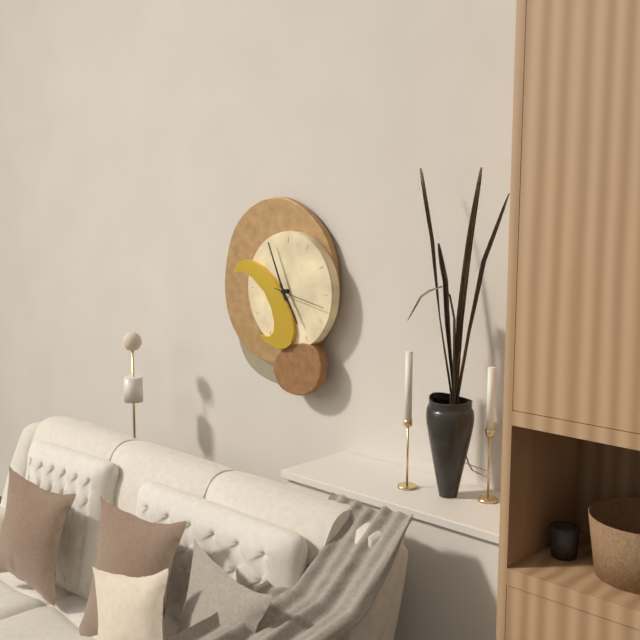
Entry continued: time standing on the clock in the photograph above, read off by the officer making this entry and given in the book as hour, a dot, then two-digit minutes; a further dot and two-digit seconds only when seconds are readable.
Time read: 4.56.17
